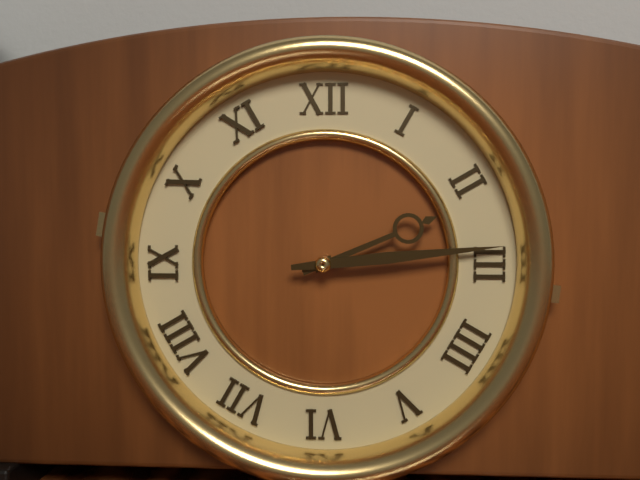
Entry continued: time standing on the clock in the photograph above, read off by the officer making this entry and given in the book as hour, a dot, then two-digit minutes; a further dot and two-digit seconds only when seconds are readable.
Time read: 2.14
